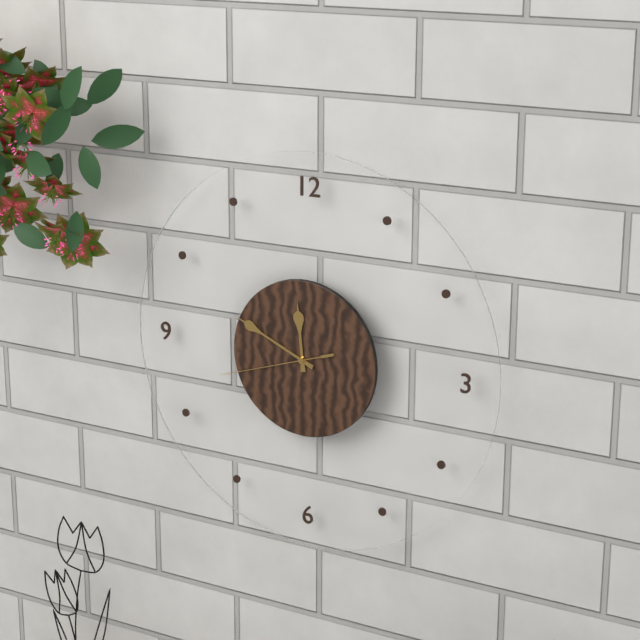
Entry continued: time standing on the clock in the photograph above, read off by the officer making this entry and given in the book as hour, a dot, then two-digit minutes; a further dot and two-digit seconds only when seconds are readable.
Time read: 11.49.42
